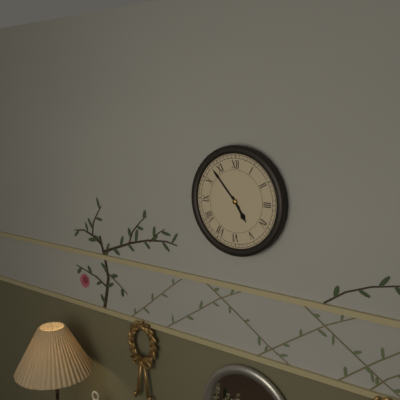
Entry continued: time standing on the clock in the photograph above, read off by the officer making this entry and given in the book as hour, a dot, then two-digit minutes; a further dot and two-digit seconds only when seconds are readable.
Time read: 4.53
